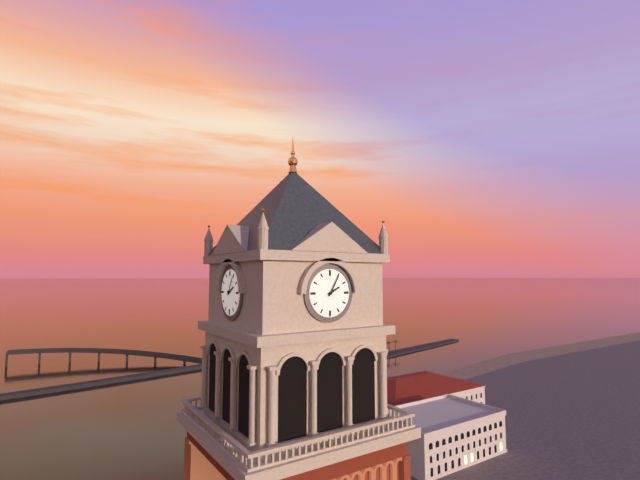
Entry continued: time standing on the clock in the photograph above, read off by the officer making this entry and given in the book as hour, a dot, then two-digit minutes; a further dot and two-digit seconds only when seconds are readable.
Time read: 2.05
